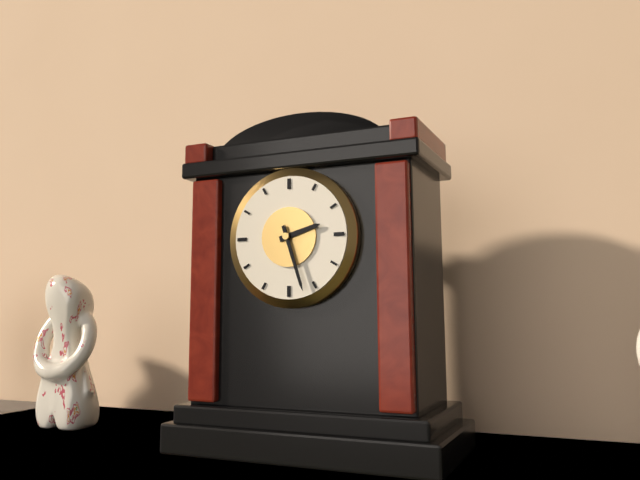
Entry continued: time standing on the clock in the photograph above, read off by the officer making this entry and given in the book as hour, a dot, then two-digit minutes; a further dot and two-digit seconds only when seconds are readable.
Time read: 2.27
